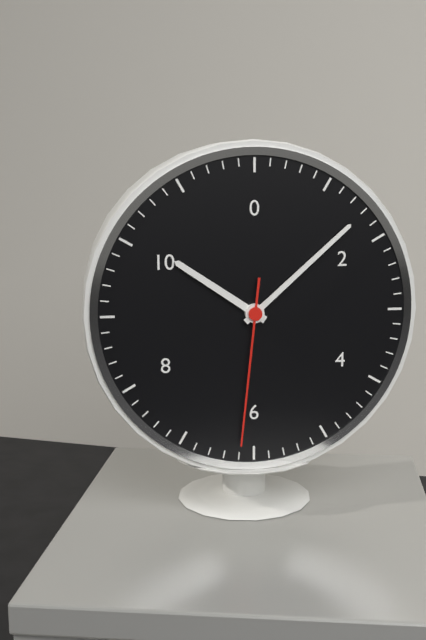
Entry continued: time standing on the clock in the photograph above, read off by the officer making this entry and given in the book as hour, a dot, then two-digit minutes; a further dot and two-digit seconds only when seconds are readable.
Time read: 10.08.31
